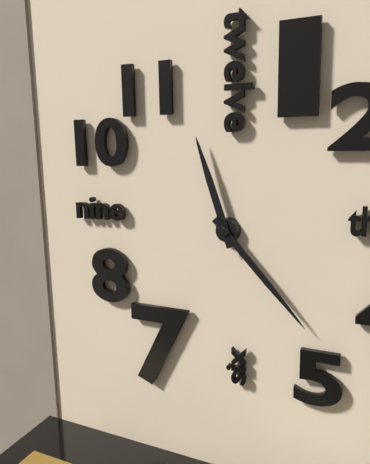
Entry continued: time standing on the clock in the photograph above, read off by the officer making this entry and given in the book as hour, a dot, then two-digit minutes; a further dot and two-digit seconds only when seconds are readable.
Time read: 11.23
